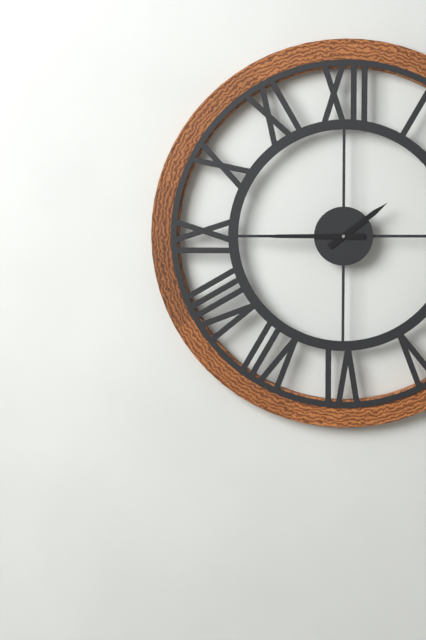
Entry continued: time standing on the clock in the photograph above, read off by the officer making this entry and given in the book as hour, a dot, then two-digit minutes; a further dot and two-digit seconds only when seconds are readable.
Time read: 1.45
